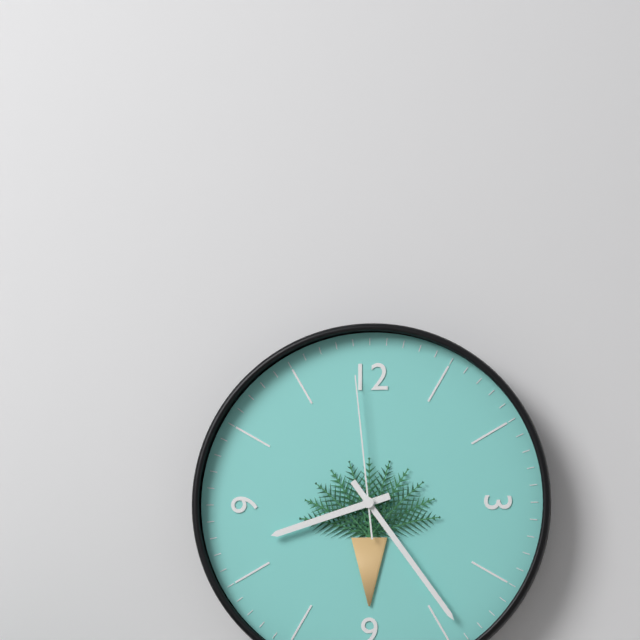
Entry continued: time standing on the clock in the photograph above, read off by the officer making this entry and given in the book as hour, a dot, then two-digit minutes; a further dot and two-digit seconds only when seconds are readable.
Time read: 8.24.59
